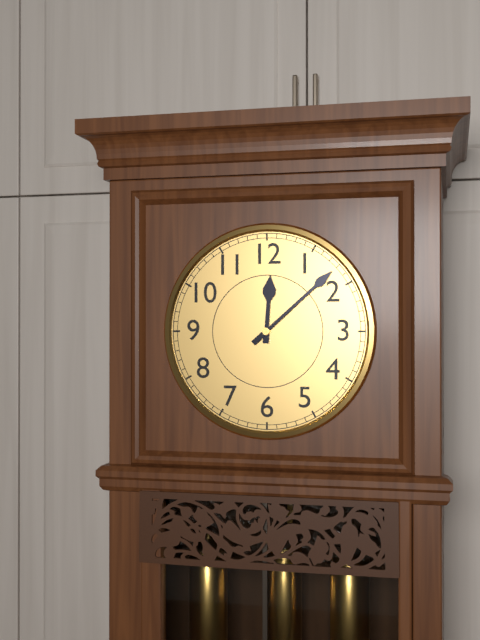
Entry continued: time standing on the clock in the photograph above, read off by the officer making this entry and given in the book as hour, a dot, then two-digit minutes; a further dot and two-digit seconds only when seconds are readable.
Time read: 12.08
